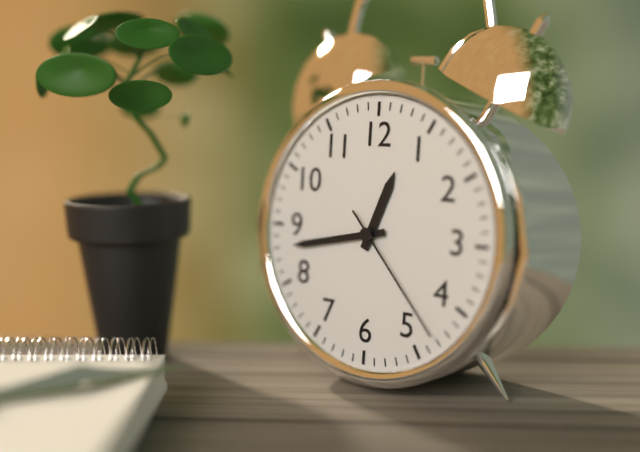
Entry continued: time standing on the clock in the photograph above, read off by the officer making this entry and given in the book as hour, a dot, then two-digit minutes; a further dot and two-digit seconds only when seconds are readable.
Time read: 12.43.23
